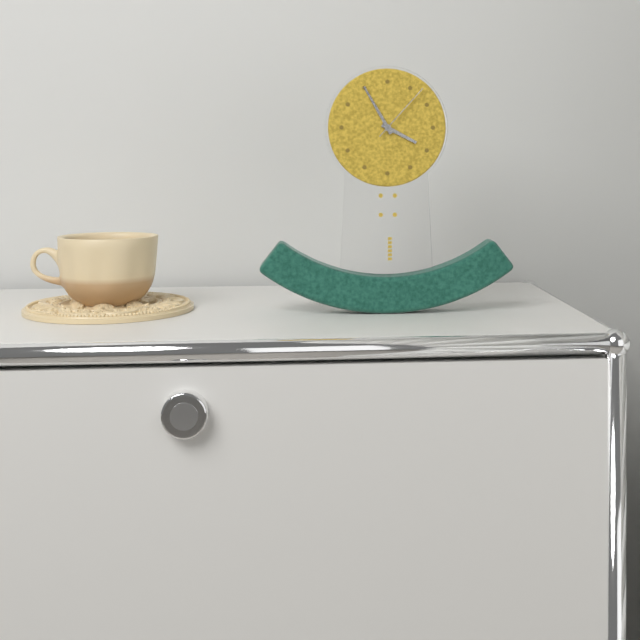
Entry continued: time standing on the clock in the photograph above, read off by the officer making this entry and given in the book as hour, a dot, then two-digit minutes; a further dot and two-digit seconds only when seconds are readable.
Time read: 3.55.07
